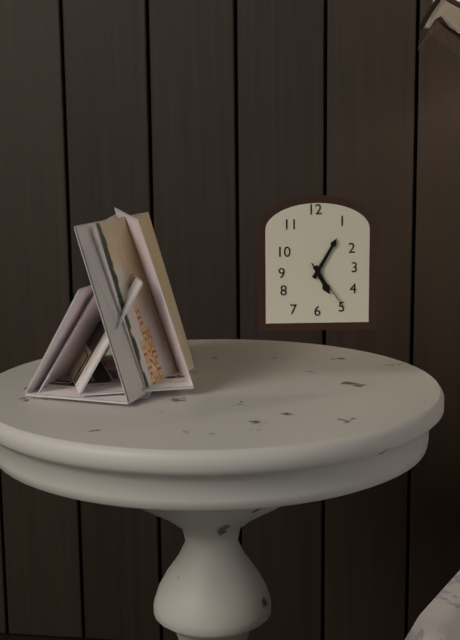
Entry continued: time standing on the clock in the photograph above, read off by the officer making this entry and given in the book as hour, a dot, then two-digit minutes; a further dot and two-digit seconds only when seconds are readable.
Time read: 5.05.24
